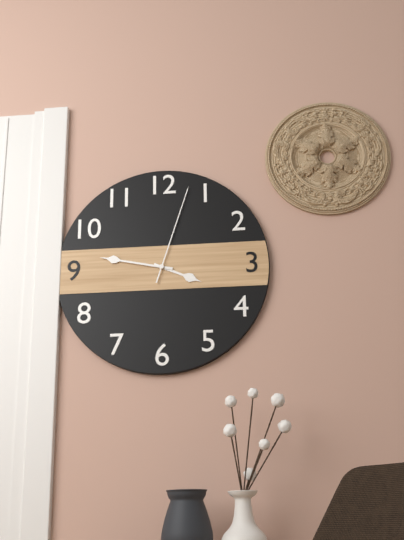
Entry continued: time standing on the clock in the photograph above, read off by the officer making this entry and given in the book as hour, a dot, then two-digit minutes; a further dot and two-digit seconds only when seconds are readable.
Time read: 3.47.03
